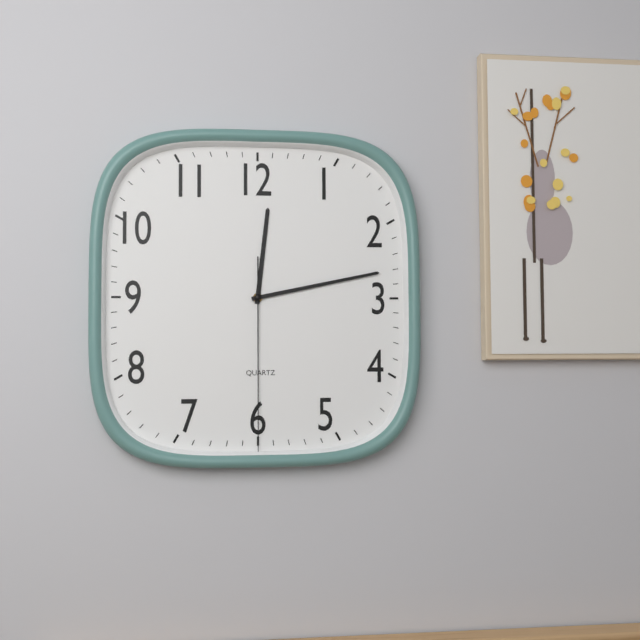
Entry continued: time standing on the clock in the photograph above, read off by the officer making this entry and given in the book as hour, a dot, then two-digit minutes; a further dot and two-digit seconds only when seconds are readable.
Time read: 12.13.30
